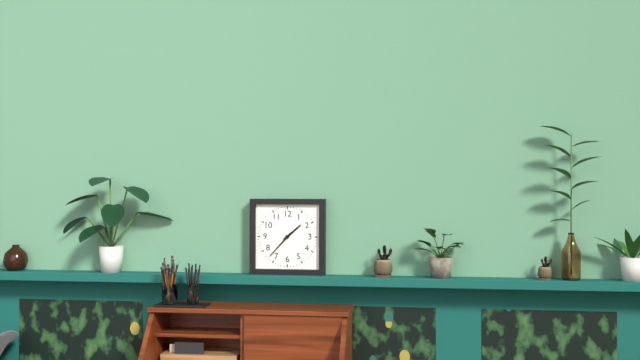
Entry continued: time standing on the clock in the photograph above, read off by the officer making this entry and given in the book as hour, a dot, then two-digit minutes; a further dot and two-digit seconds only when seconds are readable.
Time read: 1.37
